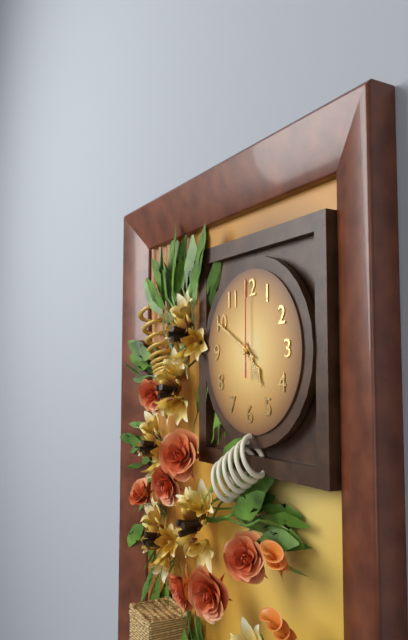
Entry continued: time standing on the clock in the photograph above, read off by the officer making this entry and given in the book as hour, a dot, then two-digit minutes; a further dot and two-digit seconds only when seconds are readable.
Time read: 4.50.00
